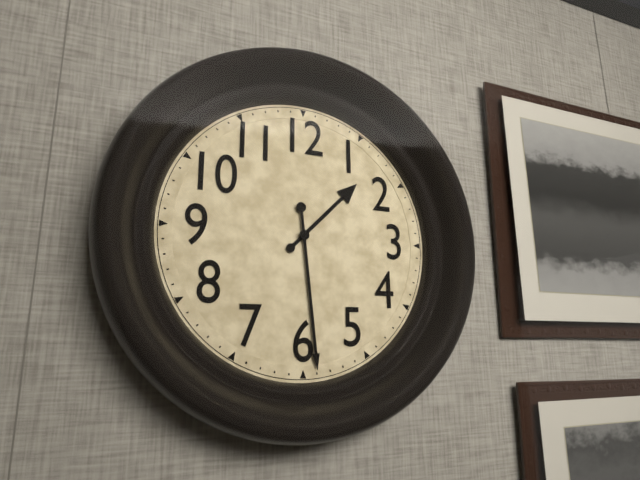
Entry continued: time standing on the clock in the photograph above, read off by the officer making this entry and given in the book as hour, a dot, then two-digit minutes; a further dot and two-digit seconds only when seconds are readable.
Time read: 1.29
